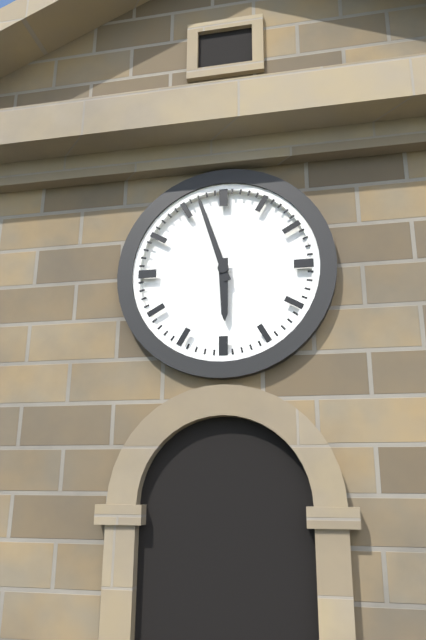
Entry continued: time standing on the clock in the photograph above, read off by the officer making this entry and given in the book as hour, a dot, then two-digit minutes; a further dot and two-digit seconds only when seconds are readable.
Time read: 5.57
